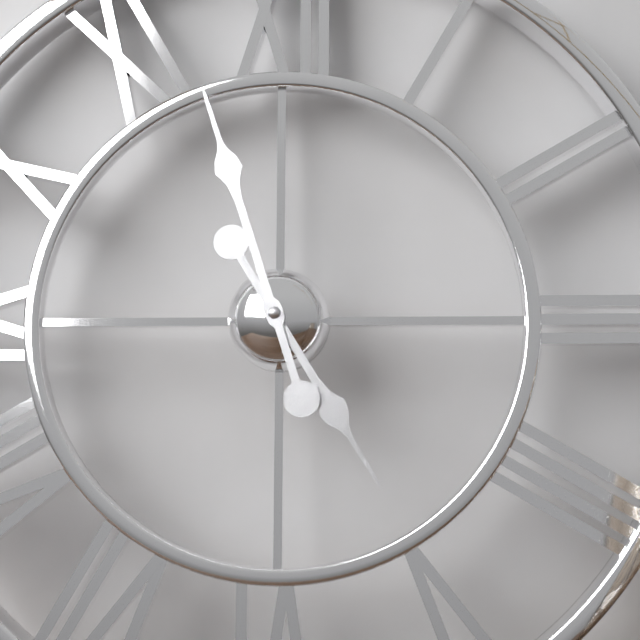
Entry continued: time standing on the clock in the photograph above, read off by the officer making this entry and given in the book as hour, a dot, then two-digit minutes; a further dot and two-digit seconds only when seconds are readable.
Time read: 4.57
